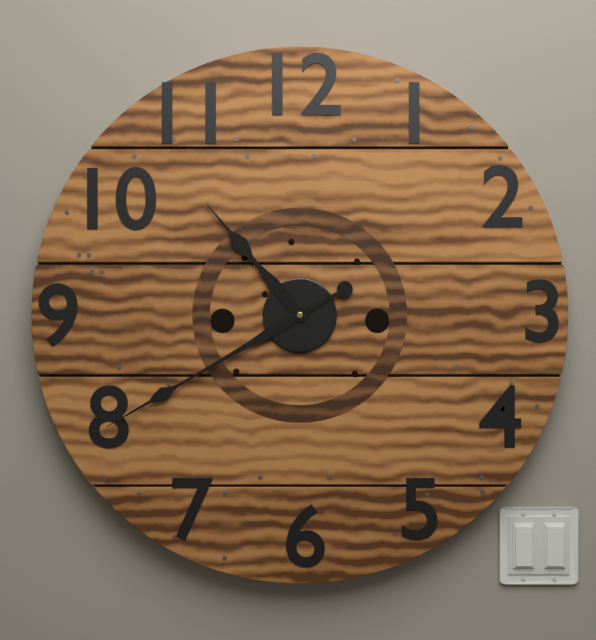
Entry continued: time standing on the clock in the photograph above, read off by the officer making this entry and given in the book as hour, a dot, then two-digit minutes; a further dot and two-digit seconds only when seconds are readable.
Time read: 10.40
